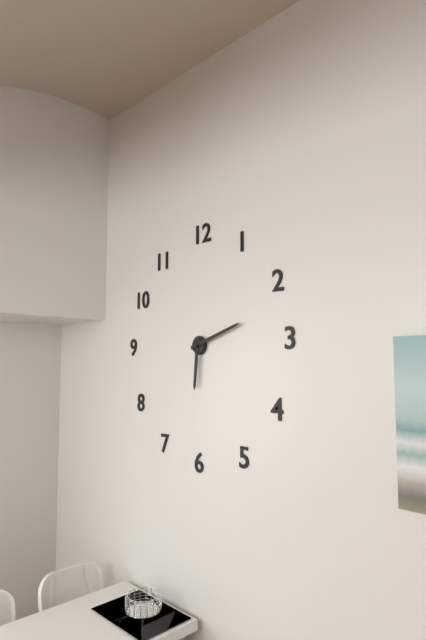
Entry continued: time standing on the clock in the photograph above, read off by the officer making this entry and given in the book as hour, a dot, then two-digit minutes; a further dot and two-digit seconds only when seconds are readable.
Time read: 6.12
